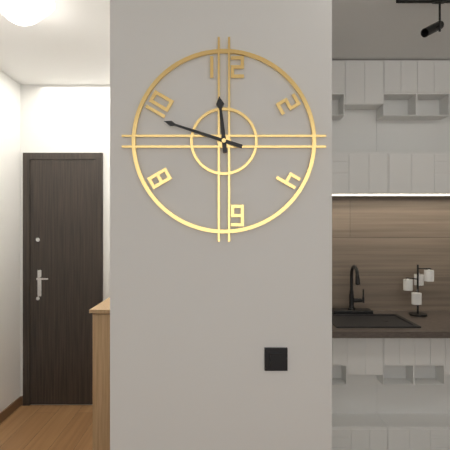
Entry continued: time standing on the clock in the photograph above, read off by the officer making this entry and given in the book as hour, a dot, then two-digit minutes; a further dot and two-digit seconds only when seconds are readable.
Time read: 11.48
